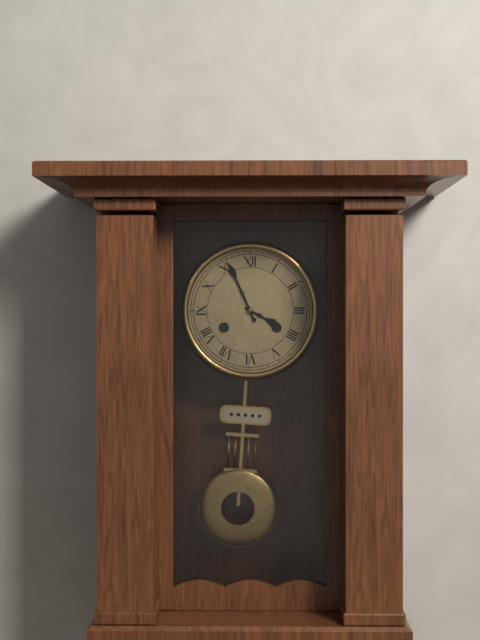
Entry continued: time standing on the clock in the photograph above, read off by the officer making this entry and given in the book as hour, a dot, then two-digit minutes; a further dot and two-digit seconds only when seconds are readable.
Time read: 3.56
